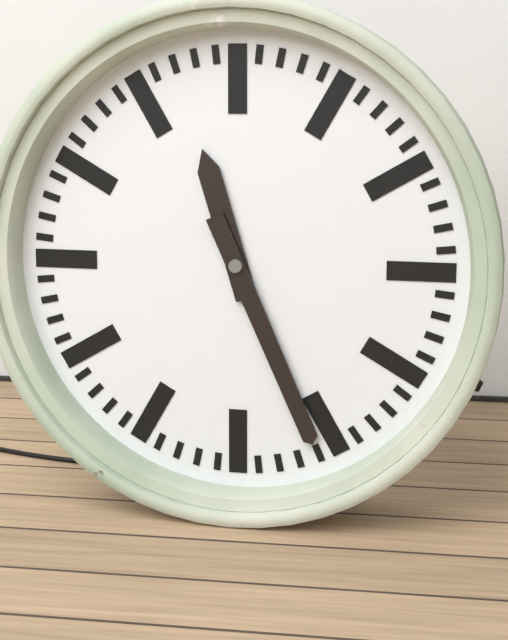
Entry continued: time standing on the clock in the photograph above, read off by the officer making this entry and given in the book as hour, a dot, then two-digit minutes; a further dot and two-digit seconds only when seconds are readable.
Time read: 11.26
